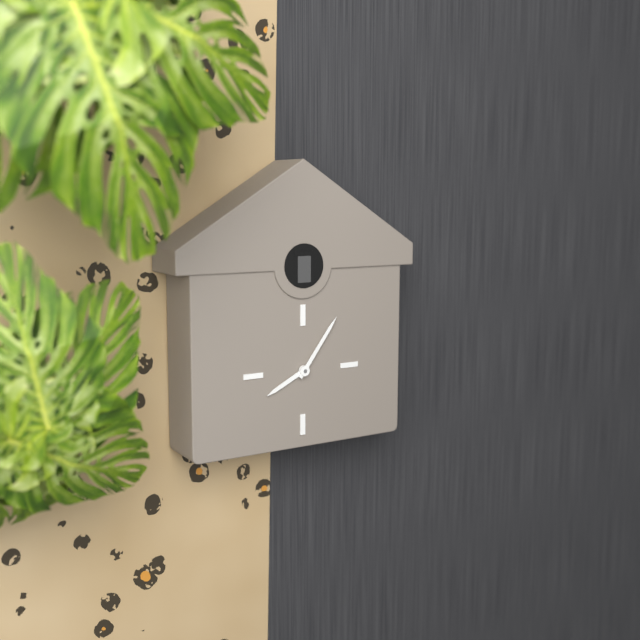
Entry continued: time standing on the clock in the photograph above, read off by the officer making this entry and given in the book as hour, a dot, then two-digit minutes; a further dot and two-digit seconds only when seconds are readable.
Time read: 8.06
